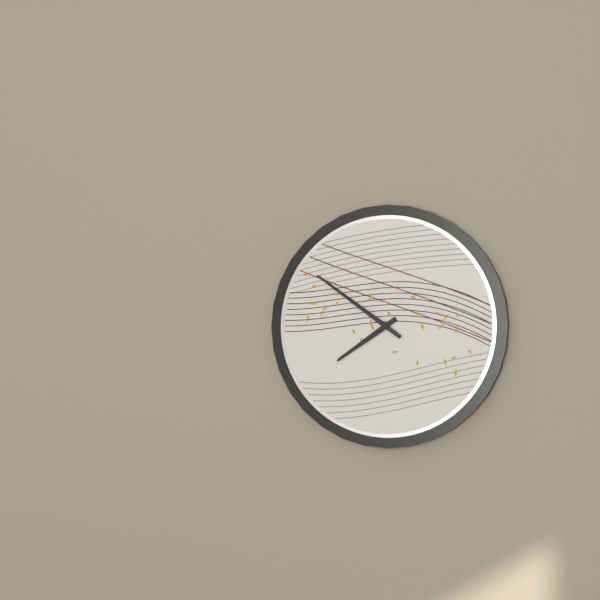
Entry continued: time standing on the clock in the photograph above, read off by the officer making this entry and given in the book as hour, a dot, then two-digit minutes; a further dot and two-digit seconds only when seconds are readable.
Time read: 7.51
